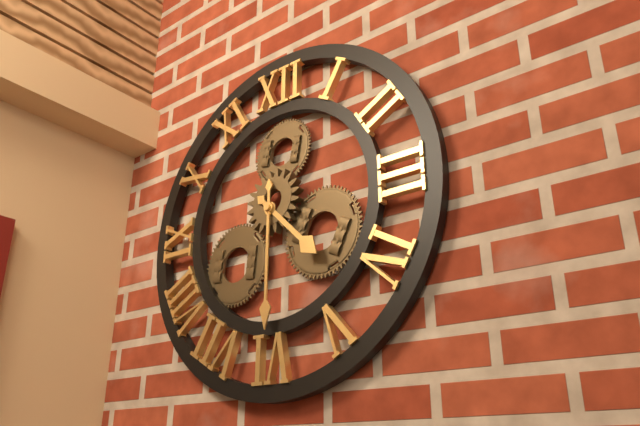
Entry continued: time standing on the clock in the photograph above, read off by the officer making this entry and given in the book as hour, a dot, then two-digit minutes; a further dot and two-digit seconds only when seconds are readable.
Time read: 4.30
